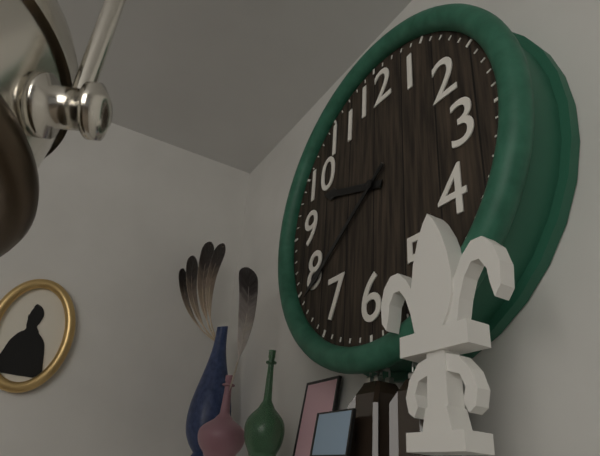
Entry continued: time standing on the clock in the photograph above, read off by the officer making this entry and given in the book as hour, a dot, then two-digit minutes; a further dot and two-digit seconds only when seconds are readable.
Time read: 9.39
